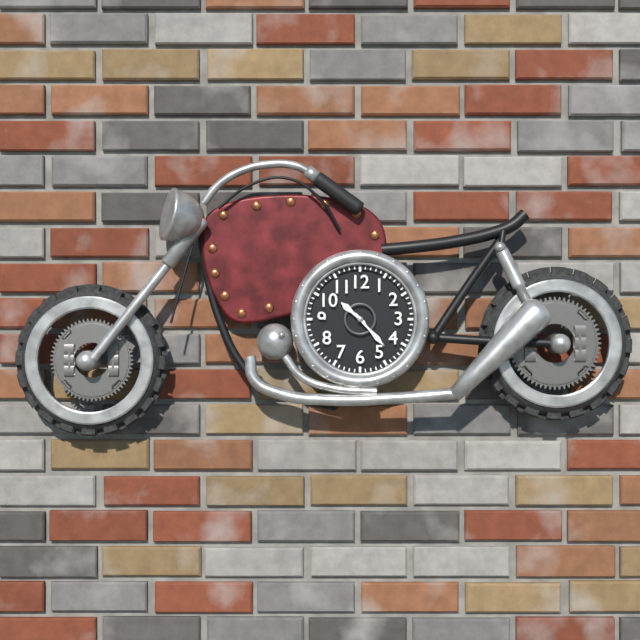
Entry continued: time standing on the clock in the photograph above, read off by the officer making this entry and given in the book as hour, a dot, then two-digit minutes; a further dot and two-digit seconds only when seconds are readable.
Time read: 10.23
